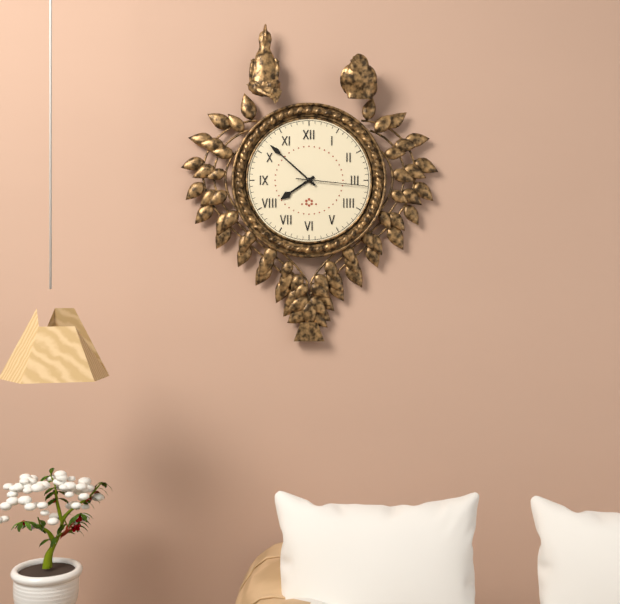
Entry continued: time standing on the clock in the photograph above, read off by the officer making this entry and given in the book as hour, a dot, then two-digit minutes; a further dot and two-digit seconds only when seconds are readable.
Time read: 7.52.16
